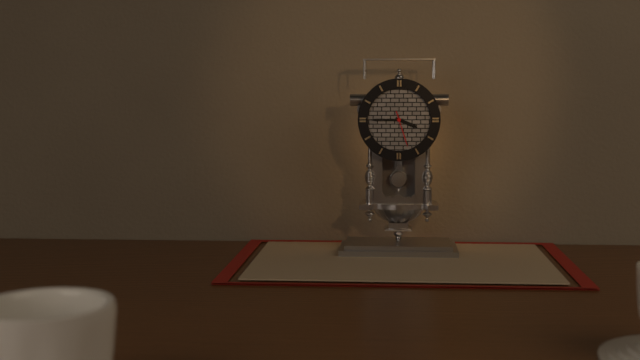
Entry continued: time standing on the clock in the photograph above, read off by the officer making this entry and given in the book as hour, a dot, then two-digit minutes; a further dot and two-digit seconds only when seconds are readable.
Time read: 3.45
